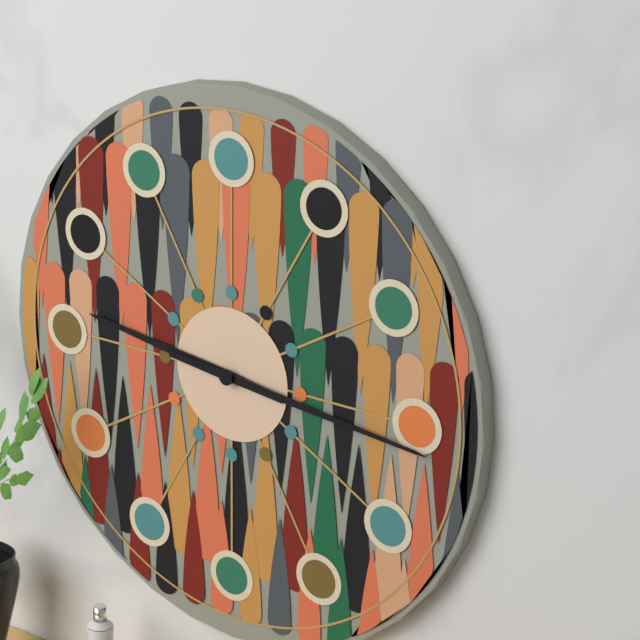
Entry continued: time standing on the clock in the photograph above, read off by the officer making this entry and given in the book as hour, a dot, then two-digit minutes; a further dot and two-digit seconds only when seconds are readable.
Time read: 9.16
